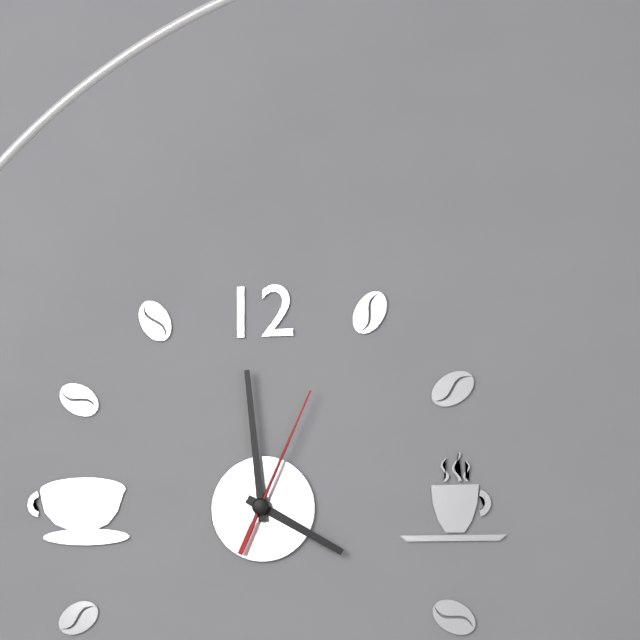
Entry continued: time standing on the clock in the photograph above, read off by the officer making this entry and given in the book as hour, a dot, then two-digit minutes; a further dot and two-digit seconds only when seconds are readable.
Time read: 3.59.04
